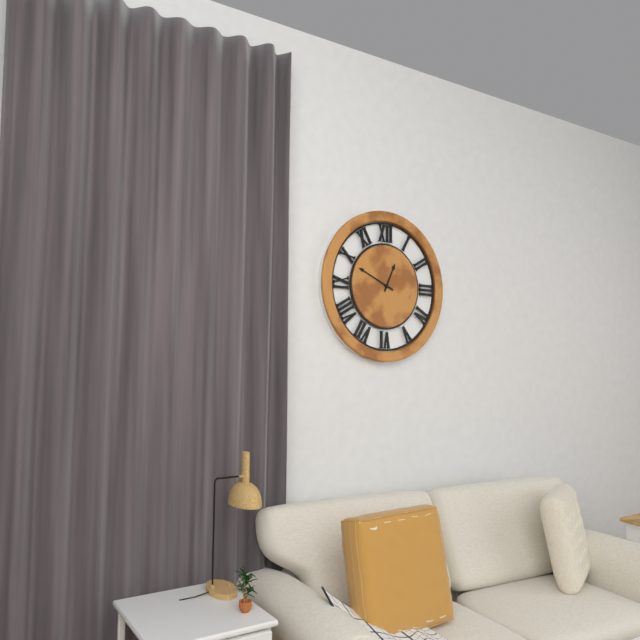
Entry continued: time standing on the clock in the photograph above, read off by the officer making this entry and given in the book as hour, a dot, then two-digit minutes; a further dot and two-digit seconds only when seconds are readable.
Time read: 12.49
